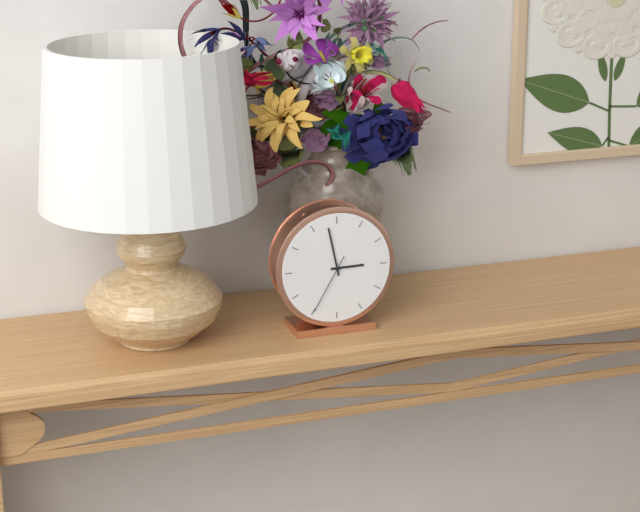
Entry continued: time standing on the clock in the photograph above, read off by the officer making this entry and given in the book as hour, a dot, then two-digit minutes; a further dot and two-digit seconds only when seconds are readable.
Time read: 2.58.35
